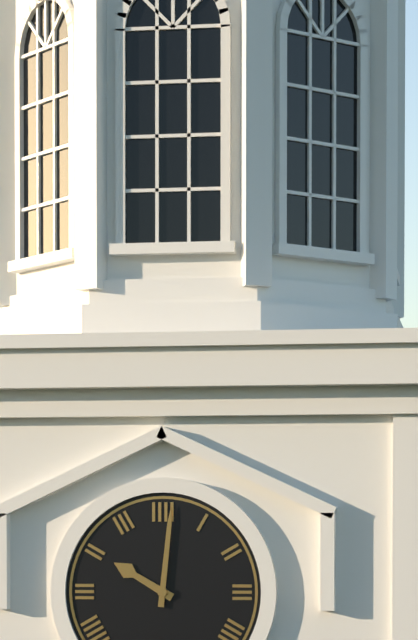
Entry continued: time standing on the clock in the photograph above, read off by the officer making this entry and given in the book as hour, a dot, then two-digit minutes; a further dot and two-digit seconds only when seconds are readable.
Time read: 10.01
